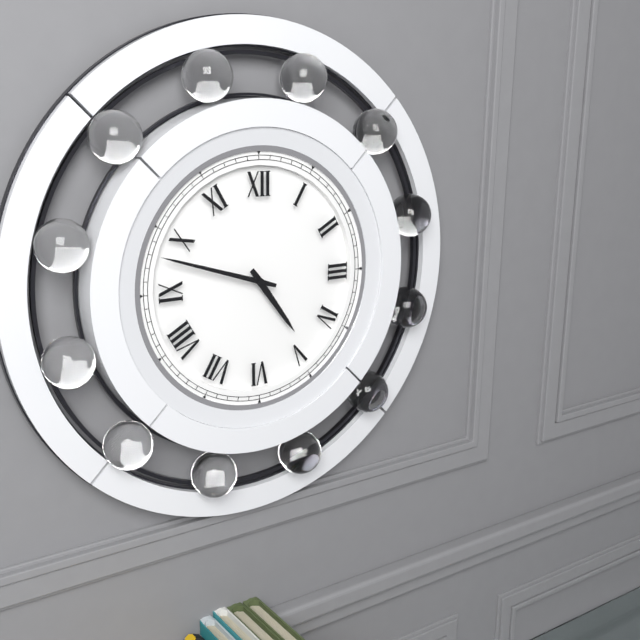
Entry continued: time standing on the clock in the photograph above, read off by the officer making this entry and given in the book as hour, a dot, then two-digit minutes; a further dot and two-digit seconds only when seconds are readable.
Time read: 4.48
